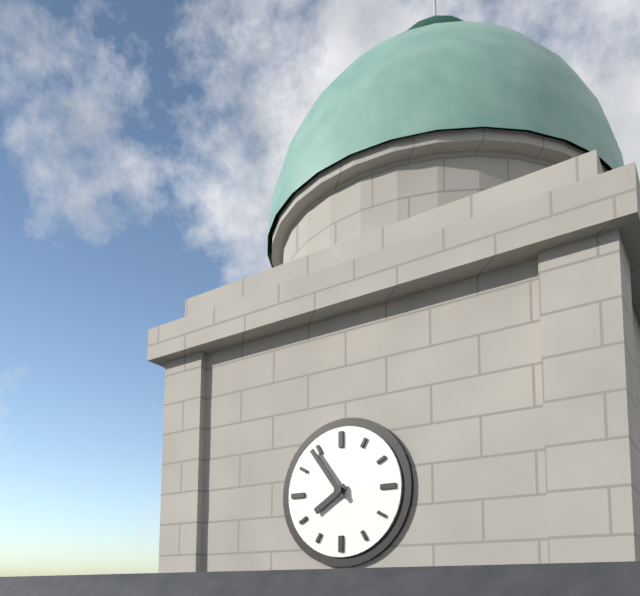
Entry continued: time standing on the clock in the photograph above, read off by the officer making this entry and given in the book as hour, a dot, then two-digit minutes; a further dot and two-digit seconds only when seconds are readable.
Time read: 7.54
